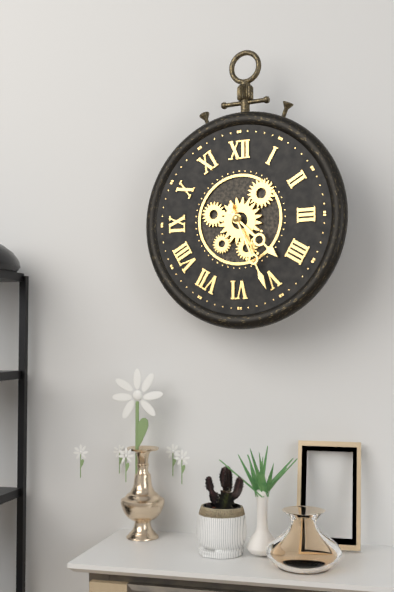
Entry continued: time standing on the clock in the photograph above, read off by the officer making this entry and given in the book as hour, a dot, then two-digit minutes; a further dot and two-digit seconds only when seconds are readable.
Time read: 4.26
